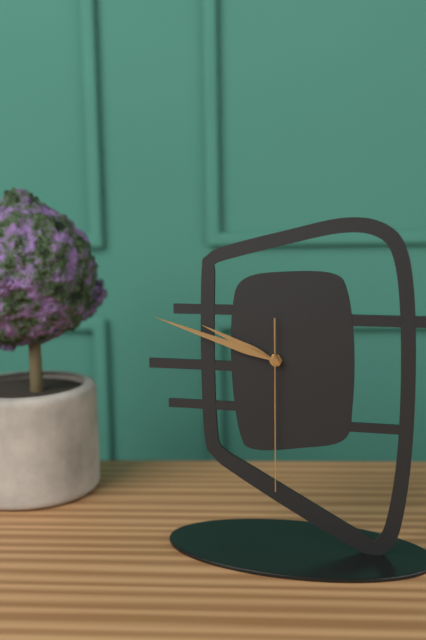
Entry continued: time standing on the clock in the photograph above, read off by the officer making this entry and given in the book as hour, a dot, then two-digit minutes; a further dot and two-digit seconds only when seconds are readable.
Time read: 9.48.30
